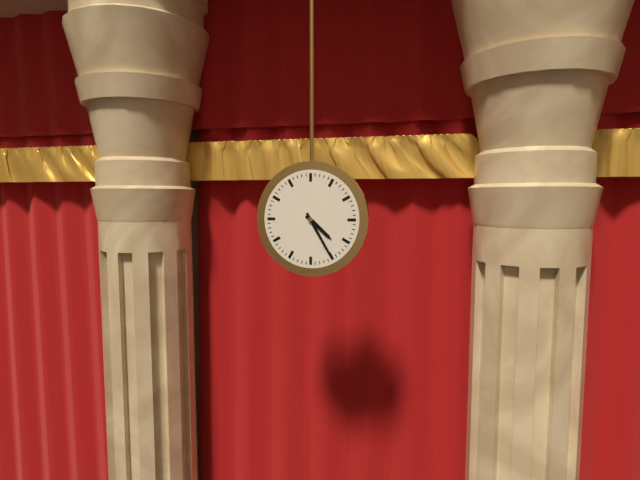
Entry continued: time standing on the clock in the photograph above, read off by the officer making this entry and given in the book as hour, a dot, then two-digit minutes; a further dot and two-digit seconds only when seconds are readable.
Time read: 4.25
